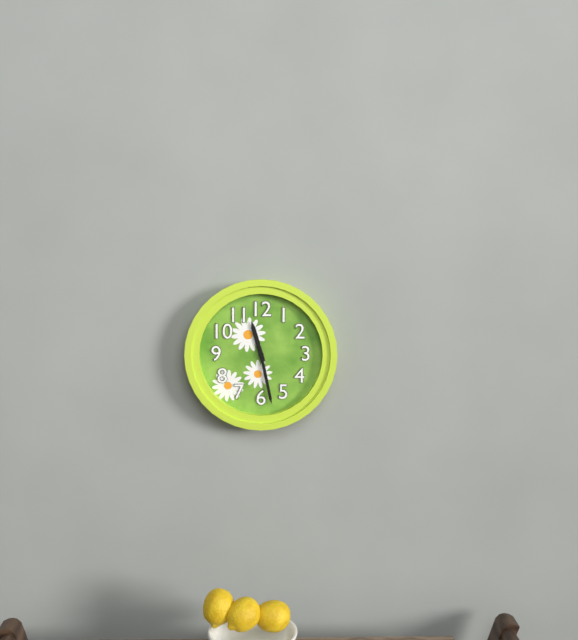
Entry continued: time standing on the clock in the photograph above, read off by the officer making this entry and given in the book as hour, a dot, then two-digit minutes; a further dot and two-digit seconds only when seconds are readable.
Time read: 11.28
